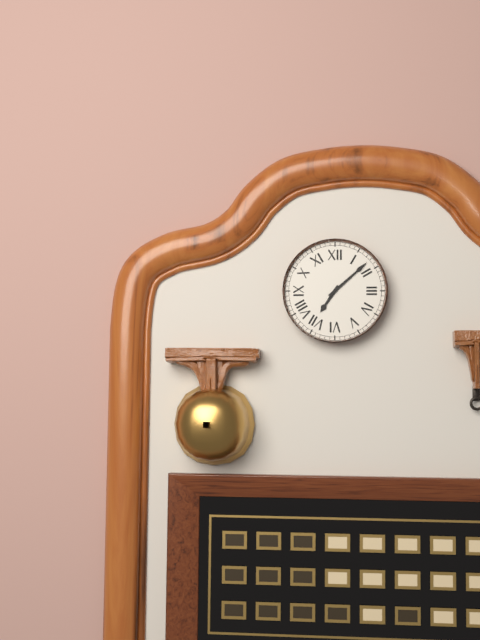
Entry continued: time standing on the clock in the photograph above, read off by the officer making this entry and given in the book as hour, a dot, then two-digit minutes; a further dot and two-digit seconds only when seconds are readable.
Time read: 7.08
